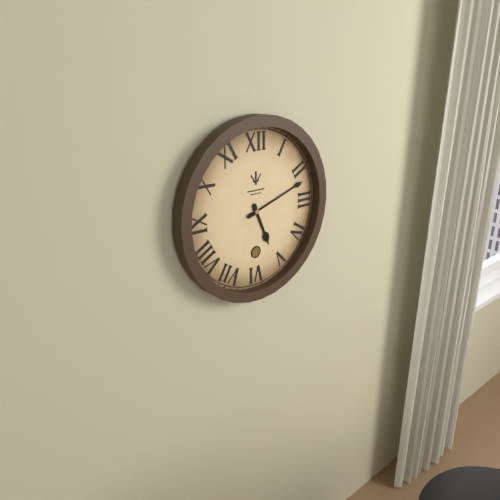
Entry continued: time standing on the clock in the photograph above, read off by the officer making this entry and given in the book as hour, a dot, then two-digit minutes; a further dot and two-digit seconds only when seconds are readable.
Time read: 5.12
